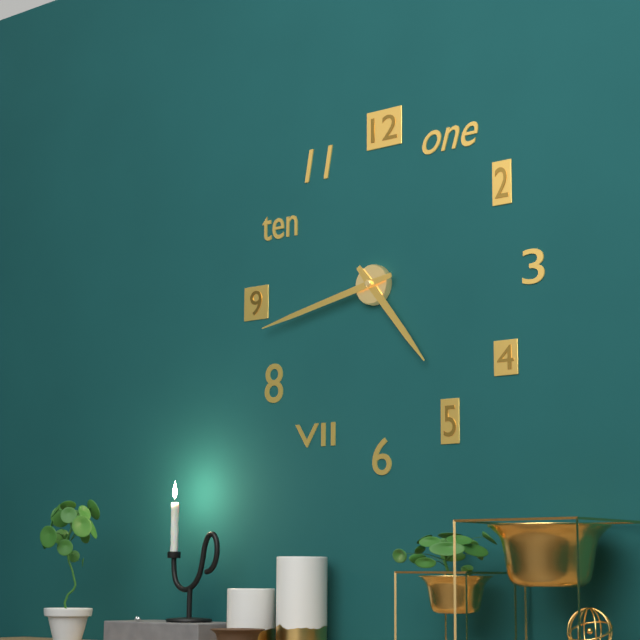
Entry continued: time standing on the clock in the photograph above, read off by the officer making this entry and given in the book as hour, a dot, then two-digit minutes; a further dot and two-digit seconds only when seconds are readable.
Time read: 4.43
